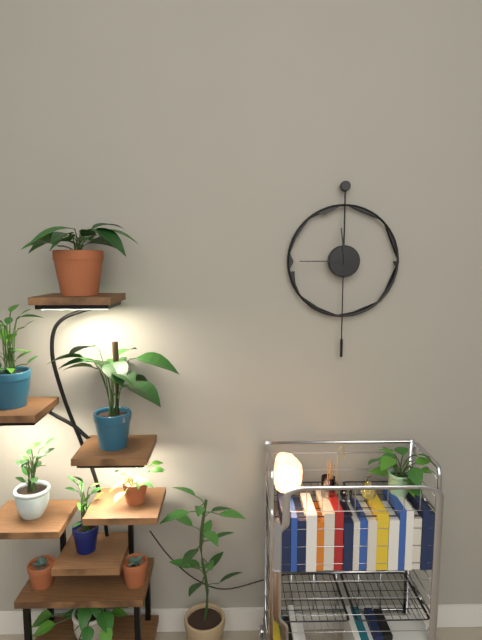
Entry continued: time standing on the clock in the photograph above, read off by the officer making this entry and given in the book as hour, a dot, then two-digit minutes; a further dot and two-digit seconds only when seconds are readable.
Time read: 11.45
